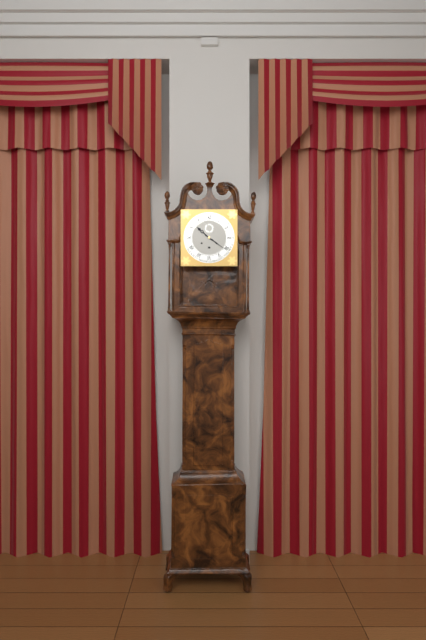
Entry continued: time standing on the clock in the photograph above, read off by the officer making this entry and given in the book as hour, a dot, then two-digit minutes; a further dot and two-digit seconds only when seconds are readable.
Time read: 10.21
